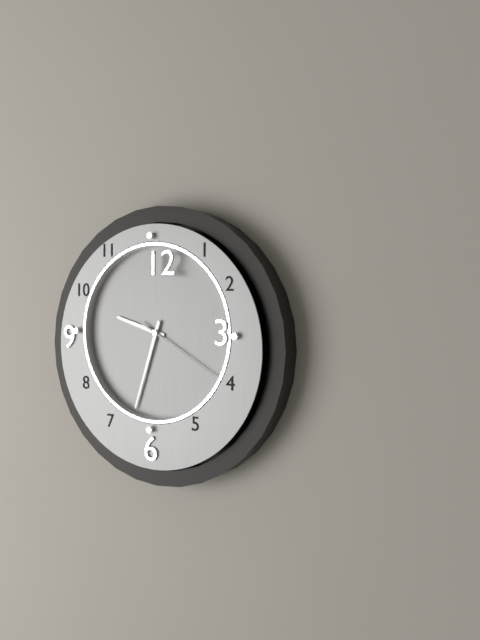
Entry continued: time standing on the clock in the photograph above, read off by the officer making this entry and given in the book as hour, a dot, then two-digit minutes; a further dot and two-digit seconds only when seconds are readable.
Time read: 9.33.20
